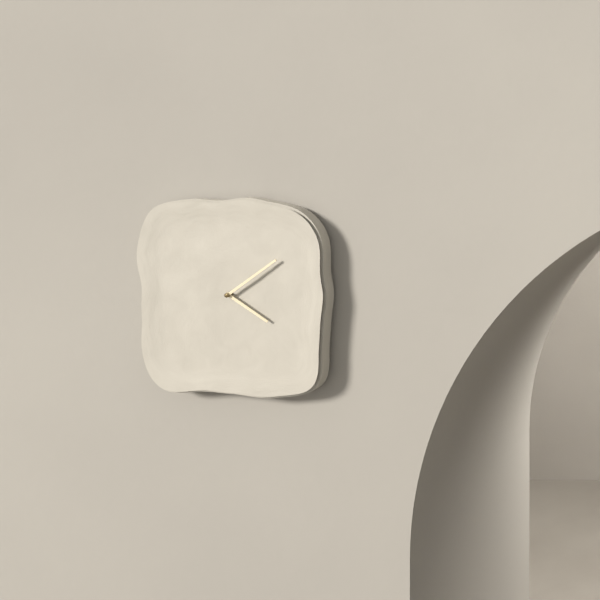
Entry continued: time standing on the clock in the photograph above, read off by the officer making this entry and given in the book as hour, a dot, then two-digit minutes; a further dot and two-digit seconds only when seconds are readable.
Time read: 4.09
